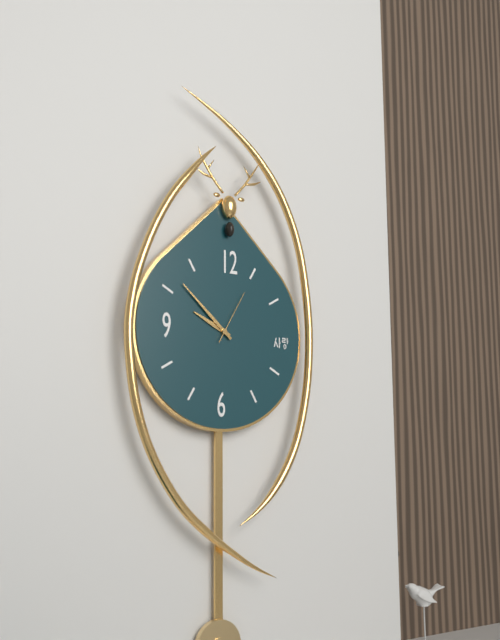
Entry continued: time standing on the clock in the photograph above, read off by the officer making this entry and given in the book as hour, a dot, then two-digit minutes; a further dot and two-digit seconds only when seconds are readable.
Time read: 9.52.05
